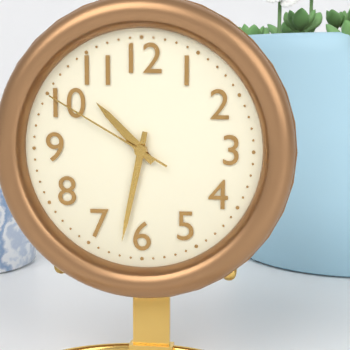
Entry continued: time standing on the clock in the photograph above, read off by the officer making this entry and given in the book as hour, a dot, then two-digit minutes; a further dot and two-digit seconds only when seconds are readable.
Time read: 10.32.50
